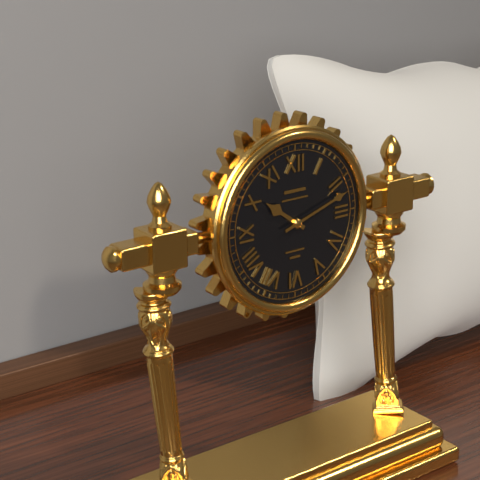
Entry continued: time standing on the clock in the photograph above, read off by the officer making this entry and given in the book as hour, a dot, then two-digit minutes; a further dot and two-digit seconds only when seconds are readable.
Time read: 10.12
